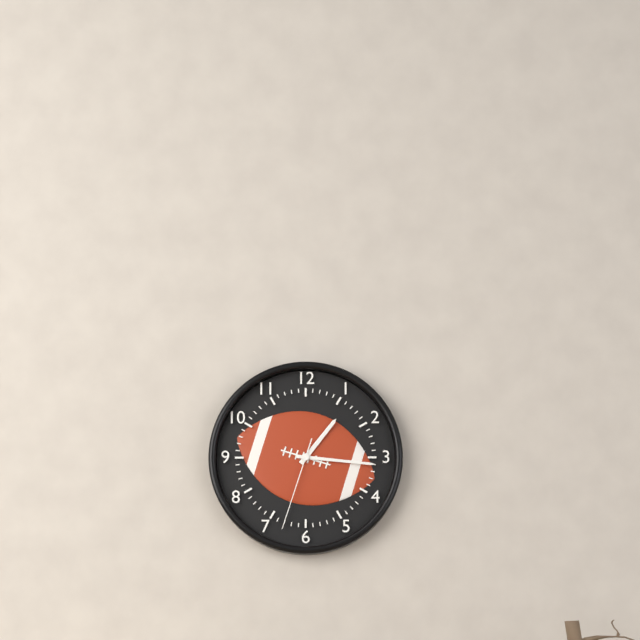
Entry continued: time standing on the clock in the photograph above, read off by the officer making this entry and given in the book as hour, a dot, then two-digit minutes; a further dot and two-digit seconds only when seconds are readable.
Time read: 1.16.33
